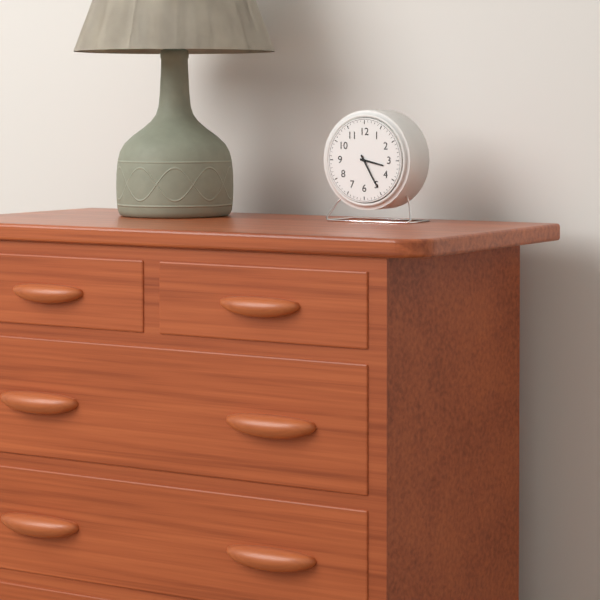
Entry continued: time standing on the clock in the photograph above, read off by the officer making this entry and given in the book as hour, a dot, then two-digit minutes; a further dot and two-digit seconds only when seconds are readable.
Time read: 3.25
